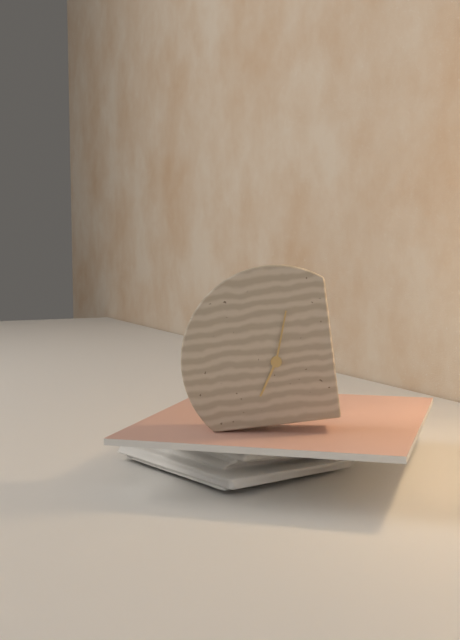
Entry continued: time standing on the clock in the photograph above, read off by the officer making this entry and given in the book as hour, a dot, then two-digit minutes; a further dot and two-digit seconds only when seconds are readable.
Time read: 7.03
